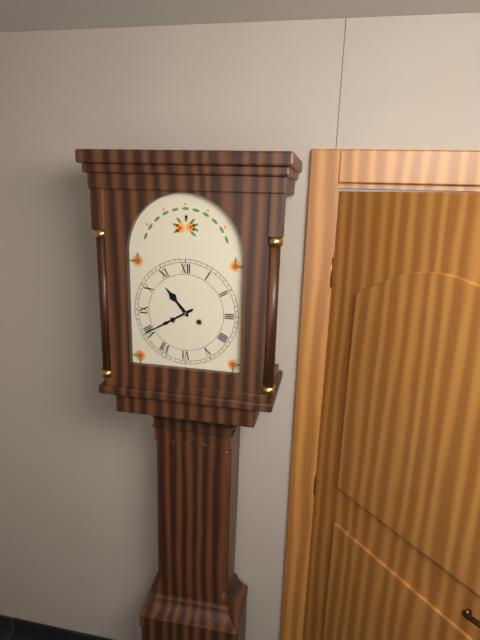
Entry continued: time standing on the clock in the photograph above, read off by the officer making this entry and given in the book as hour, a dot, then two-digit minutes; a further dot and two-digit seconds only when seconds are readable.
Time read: 10.40
